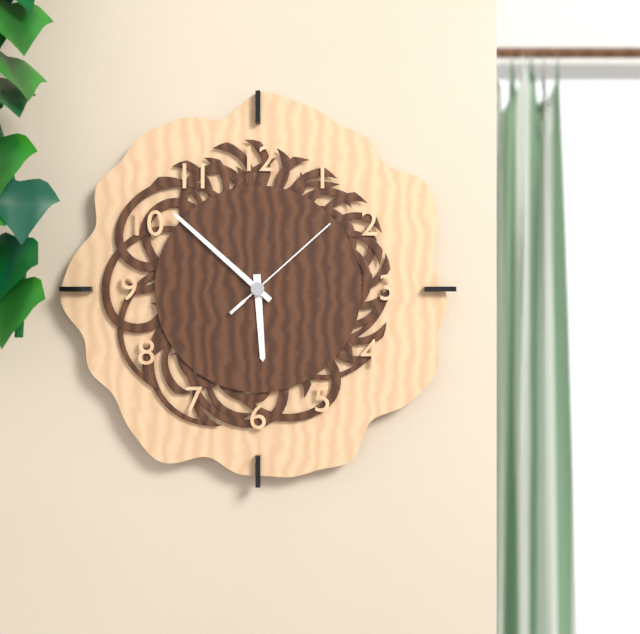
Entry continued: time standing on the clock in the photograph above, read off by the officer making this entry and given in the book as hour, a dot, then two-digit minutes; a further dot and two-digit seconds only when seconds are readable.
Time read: 5.52.08
